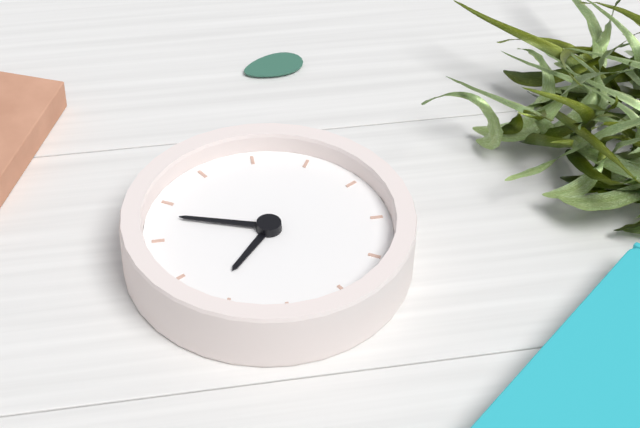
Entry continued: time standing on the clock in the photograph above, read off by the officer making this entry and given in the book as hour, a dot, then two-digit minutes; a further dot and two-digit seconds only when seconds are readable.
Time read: 1.18
